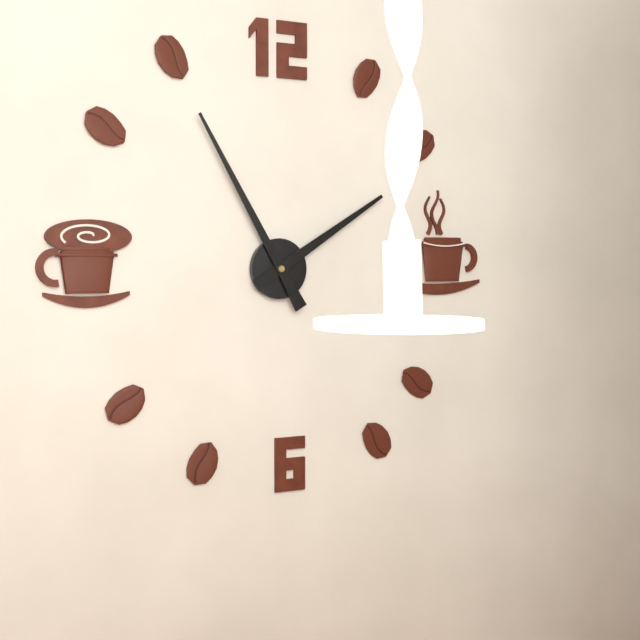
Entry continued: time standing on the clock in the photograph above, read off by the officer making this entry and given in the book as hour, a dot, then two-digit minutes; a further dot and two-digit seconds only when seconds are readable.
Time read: 1.55
